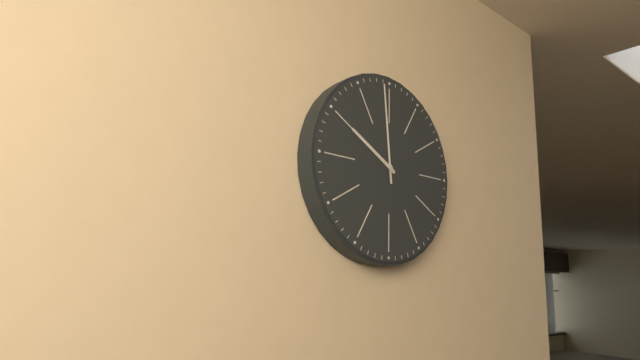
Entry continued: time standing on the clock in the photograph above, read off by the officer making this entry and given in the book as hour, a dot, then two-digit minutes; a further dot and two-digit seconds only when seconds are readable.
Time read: 9.59
